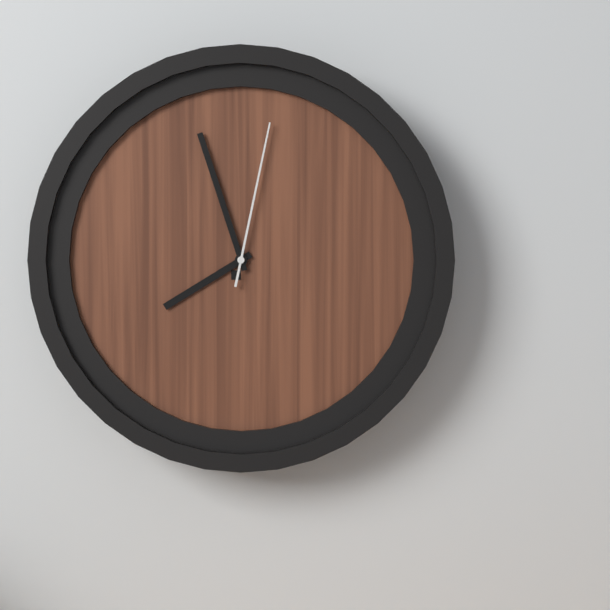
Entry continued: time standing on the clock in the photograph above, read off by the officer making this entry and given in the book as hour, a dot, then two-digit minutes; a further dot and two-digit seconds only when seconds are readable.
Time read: 7.57.02
